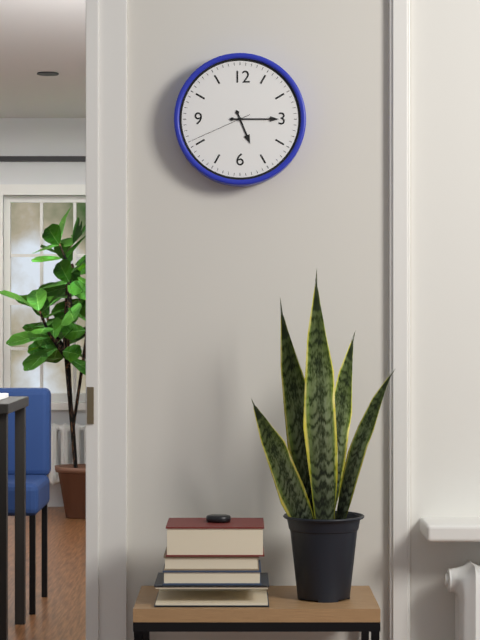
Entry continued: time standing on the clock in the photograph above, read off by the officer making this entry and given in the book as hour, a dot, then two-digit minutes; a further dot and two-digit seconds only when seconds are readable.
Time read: 5.15.41
